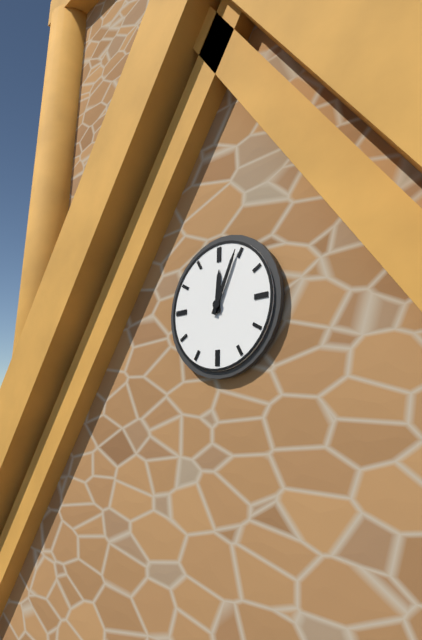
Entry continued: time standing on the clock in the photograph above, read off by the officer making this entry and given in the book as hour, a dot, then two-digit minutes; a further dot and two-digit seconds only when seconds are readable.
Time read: 12.04
